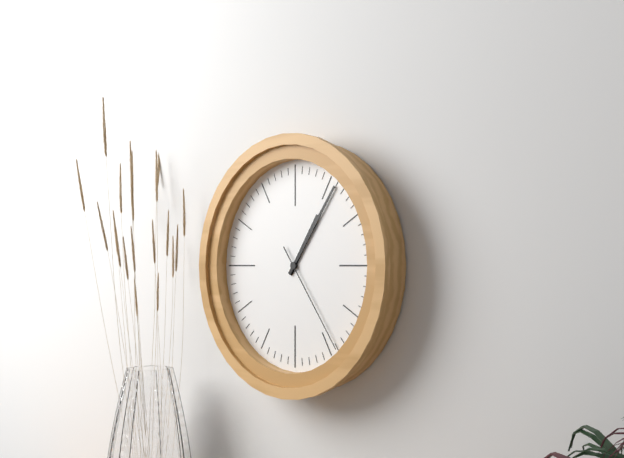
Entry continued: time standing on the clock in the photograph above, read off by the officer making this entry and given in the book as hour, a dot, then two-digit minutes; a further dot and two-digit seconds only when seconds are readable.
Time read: 1.06.24
